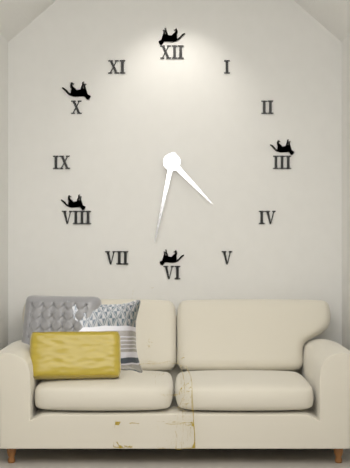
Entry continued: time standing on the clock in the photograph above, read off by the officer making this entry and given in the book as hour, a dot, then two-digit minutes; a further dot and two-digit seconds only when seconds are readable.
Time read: 4.32
